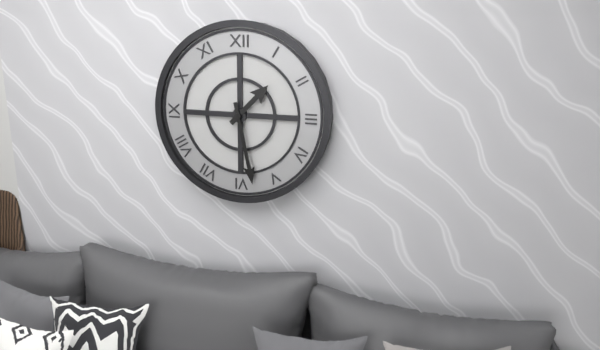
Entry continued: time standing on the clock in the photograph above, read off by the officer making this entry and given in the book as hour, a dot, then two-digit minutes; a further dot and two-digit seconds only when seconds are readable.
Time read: 1.28
